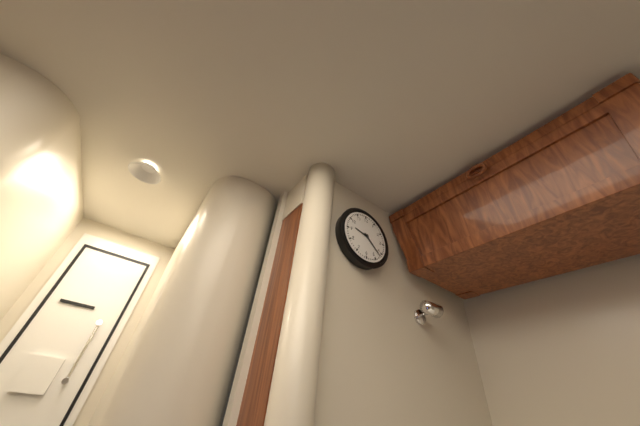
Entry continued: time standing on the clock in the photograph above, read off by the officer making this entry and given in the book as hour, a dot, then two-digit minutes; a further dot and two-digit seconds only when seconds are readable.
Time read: 9.22
